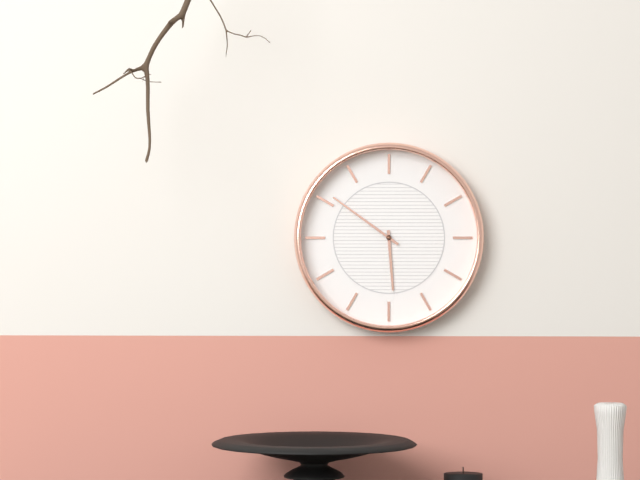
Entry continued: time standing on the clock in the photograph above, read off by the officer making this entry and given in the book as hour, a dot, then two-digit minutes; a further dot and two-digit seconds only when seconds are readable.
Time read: 5.51
